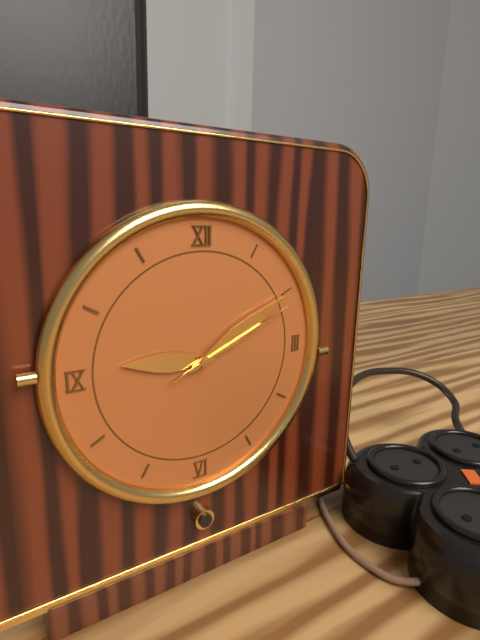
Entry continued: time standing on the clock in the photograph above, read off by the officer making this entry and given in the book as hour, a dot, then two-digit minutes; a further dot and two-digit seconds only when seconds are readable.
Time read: 9.10.11
